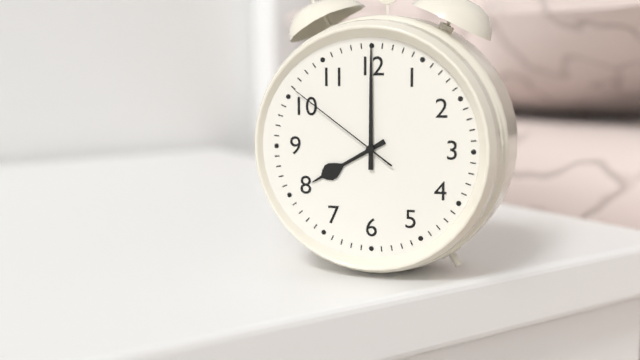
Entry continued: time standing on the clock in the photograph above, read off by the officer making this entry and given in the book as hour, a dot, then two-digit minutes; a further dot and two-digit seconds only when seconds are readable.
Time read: 8.00.51
